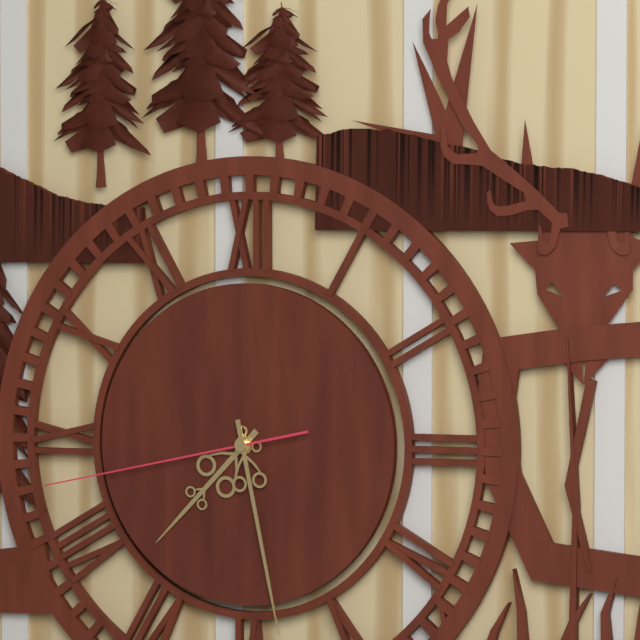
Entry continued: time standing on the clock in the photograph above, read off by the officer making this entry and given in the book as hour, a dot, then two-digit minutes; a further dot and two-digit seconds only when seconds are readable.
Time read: 7.28.43
